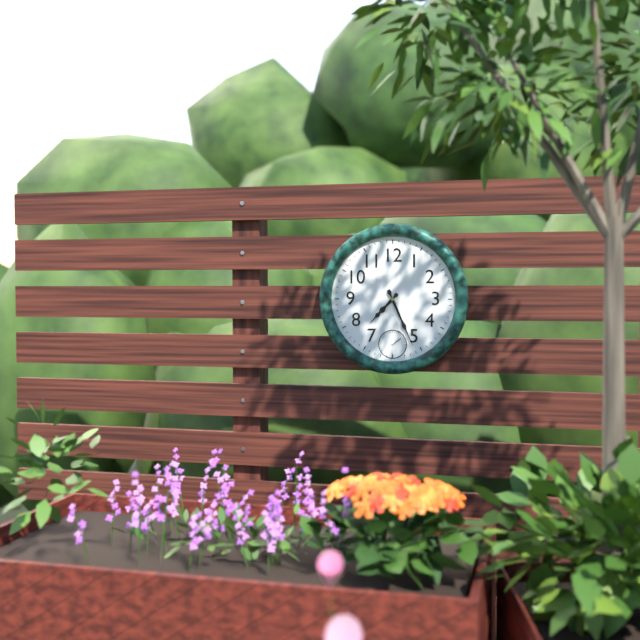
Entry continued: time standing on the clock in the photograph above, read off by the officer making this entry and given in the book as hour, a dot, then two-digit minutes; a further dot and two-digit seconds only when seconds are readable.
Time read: 7.26
